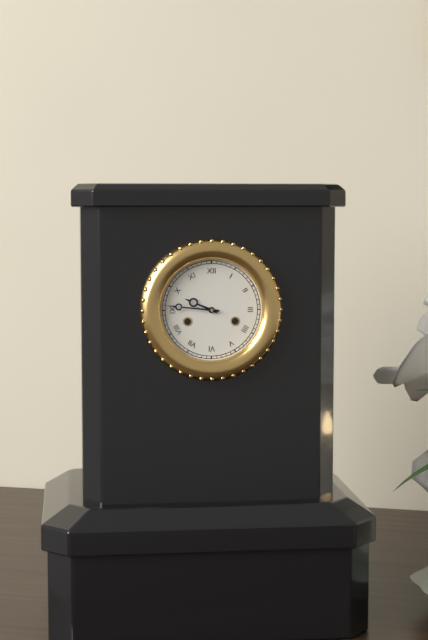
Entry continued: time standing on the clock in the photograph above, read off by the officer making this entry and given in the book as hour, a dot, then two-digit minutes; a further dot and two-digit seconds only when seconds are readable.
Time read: 9.46
